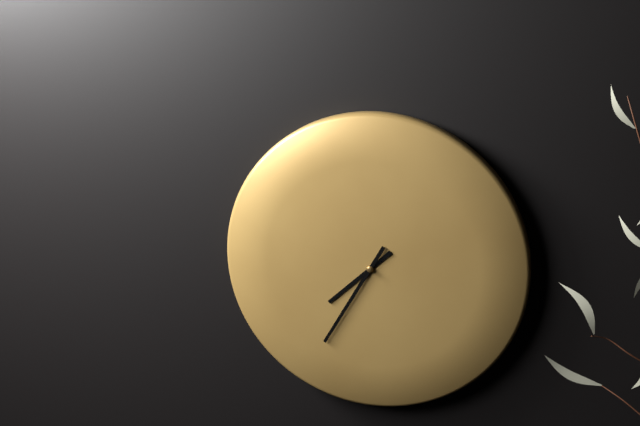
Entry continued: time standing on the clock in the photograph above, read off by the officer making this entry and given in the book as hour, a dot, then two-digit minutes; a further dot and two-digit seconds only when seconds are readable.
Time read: 7.35
